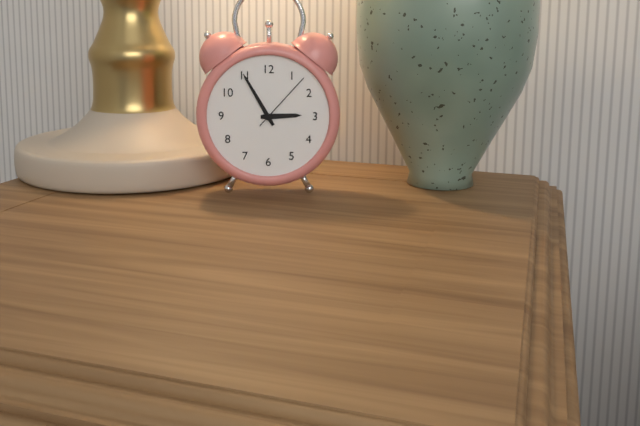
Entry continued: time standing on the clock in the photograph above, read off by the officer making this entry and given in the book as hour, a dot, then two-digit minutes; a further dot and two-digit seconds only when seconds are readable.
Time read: 2.55.07
